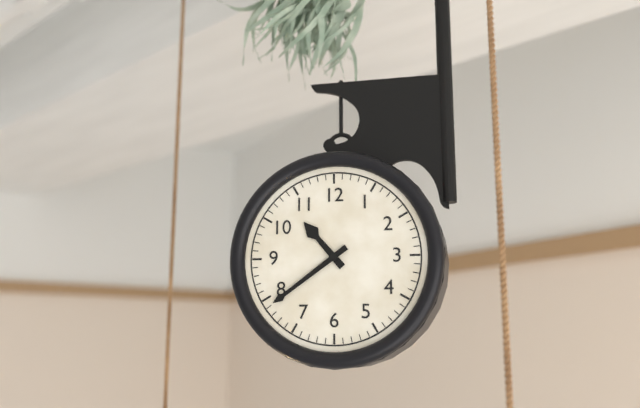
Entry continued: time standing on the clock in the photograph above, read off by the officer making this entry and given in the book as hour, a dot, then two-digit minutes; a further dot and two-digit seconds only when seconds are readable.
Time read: 10.39
